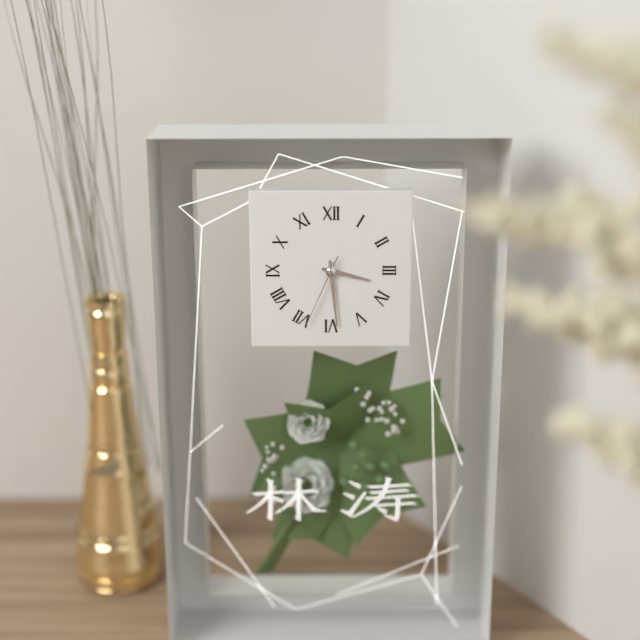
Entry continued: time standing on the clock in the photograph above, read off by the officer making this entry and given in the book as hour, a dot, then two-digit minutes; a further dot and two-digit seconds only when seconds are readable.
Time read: 3.29.34
